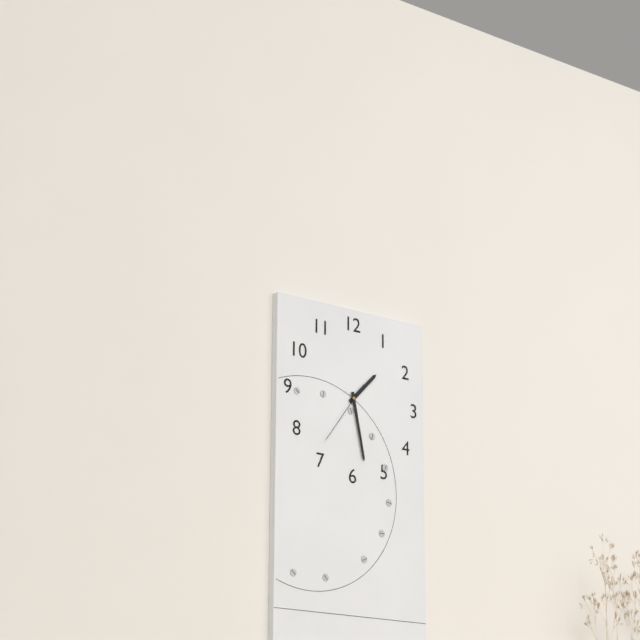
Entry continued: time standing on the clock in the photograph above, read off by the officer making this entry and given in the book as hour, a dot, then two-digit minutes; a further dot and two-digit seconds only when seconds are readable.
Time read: 1.28.36
